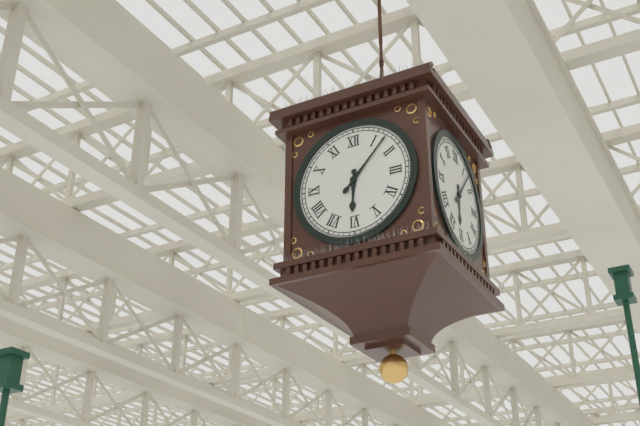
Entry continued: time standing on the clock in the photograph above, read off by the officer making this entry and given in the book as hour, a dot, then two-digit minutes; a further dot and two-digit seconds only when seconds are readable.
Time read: 6.07
